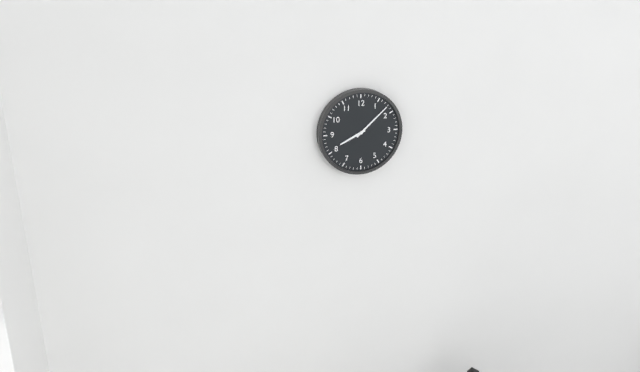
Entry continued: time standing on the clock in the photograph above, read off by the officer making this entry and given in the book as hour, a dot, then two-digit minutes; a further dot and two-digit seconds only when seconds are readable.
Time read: 8.08
